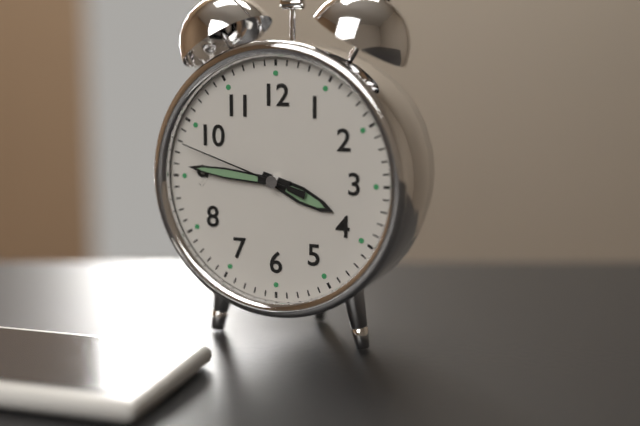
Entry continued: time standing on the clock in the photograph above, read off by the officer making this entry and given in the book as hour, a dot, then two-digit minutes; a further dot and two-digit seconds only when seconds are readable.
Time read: 3.46.48
